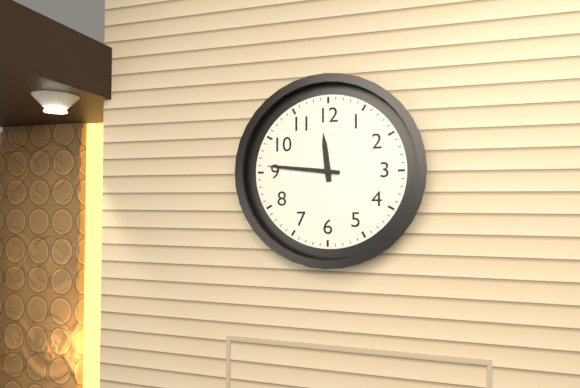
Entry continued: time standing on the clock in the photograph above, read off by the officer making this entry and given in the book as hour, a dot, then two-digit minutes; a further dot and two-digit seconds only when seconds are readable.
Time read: 11.46
